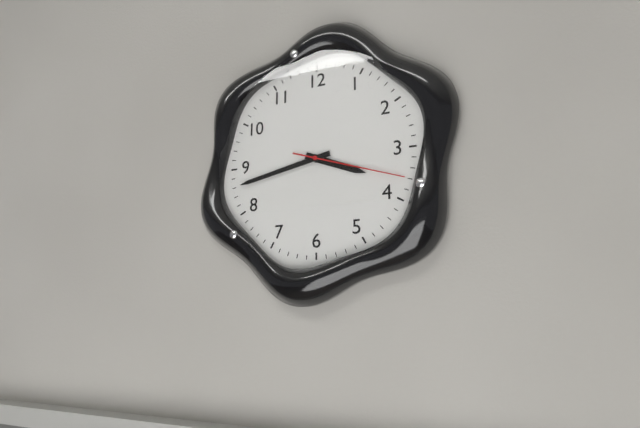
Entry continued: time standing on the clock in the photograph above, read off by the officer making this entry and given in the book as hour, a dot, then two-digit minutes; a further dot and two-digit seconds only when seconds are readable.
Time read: 3.43.18
